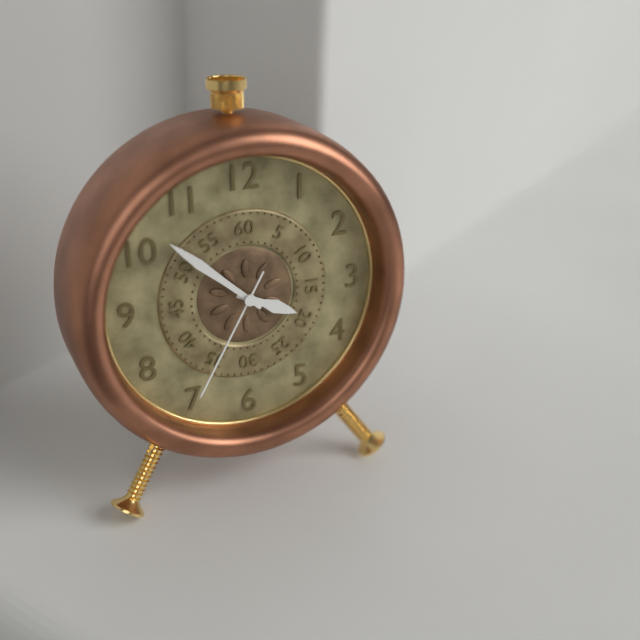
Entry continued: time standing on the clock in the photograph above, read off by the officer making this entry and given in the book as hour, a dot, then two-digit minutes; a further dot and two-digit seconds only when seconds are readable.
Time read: 3.52.35
